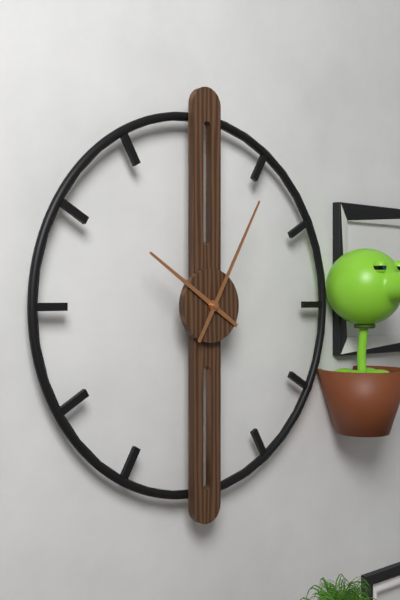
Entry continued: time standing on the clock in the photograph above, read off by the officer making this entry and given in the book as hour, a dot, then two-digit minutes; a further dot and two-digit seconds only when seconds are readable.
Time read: 10.05
